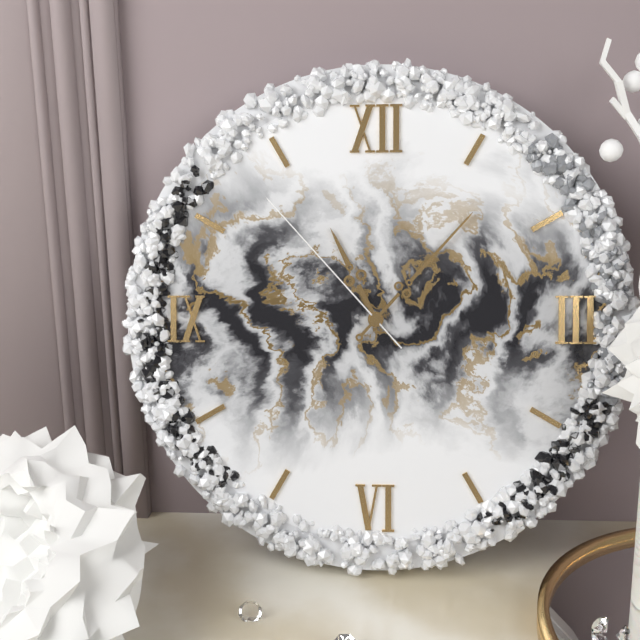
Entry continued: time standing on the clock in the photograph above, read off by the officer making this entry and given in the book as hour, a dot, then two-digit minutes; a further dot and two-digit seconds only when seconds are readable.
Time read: 11.07.53
